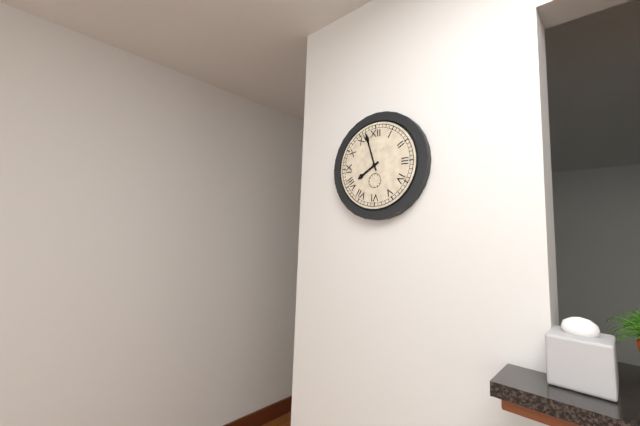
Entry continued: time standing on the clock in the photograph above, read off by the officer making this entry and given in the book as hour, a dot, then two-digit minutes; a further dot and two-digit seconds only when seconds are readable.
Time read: 7.57
